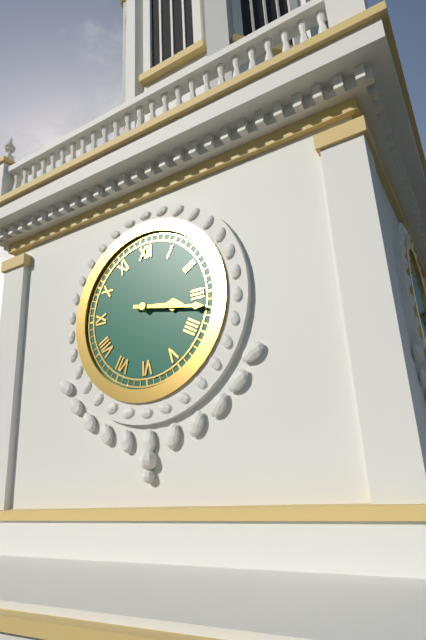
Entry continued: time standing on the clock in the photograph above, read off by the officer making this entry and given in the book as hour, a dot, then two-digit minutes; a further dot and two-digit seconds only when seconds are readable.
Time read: 3.17
